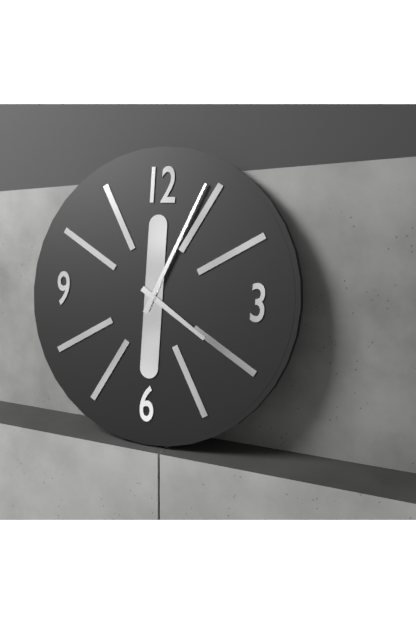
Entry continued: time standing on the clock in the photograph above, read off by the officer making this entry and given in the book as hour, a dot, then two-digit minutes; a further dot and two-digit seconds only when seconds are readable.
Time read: 4.04
